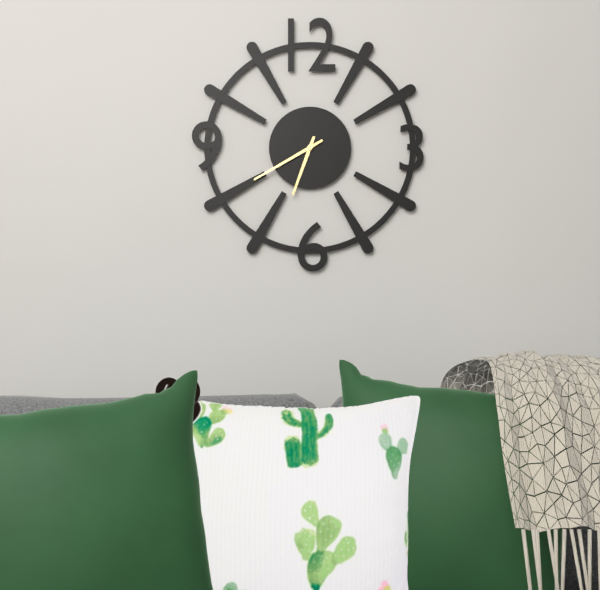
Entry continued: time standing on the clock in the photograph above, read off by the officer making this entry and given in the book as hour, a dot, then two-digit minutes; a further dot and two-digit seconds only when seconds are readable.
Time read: 6.40
